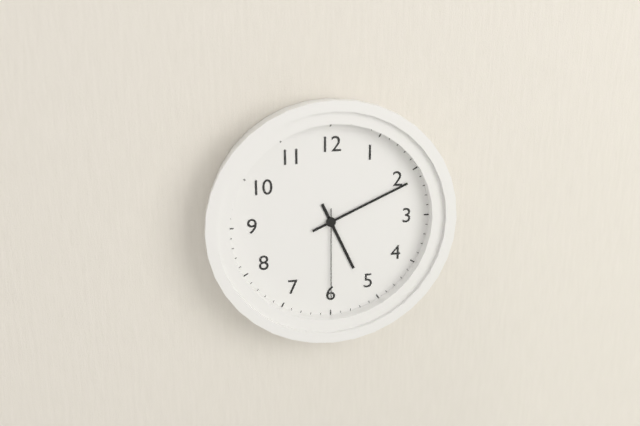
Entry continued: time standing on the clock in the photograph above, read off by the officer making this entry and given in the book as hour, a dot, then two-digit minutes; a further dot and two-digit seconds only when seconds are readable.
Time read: 5.11.30
